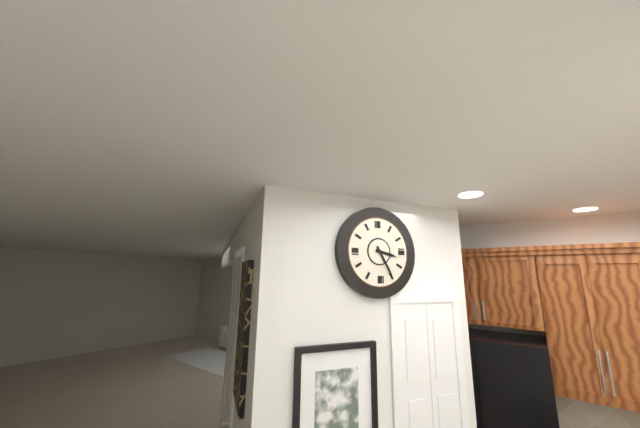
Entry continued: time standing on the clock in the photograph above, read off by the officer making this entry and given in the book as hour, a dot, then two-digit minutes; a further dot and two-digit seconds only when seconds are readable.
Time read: 3.25
